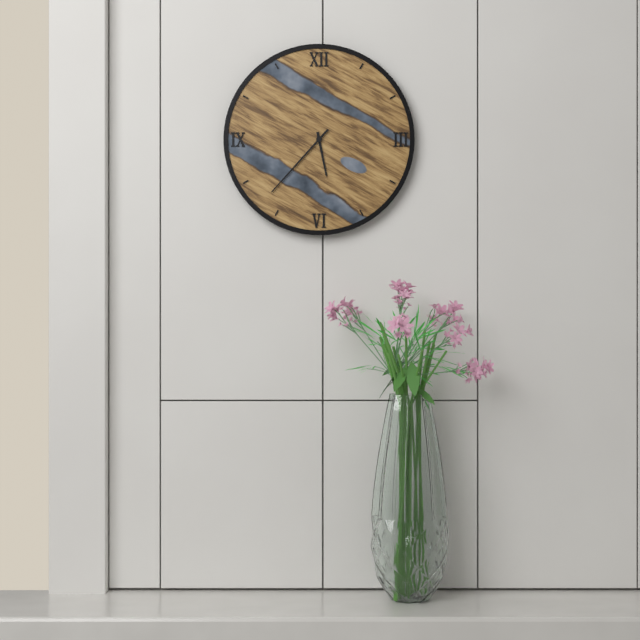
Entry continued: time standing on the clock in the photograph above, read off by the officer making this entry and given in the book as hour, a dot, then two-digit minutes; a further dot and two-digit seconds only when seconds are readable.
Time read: 5.37
